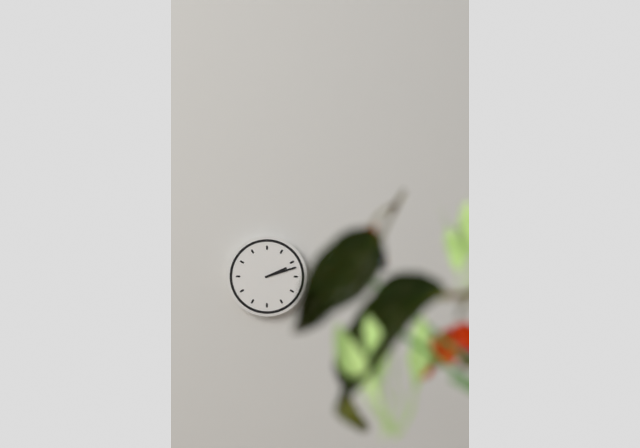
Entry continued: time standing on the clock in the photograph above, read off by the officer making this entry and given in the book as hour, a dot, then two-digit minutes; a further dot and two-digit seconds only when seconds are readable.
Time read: 2.12
